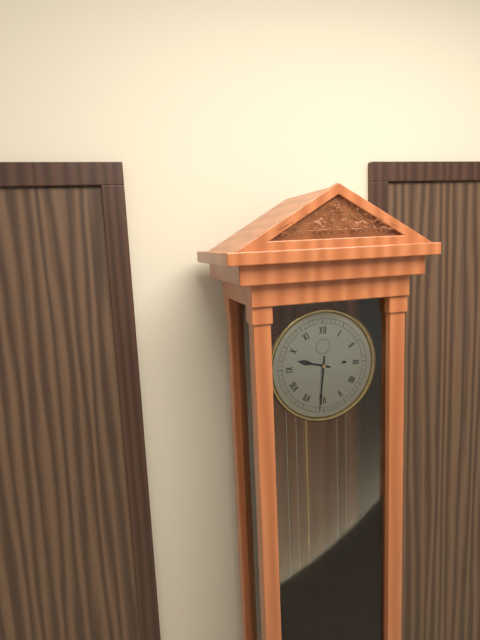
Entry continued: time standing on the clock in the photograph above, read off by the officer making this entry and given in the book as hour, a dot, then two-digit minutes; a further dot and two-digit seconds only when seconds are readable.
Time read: 9.31
